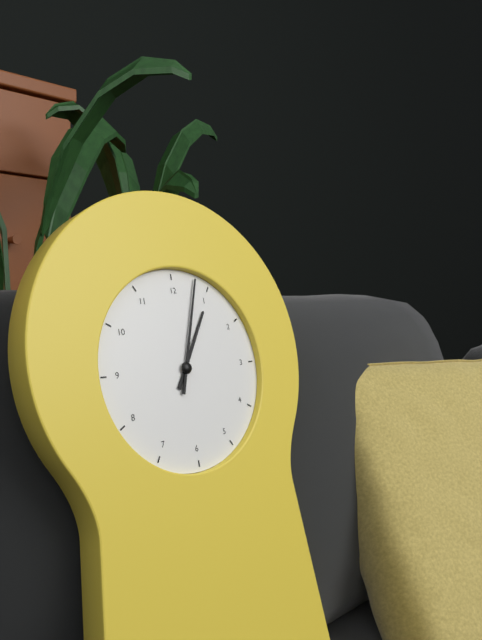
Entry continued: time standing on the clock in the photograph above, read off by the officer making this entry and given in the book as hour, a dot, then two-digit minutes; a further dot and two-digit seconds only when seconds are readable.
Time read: 1.03
